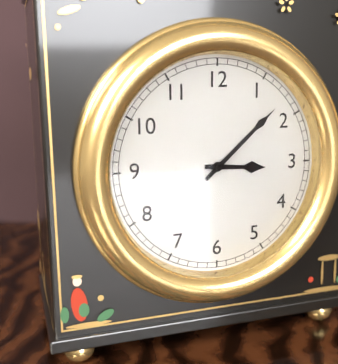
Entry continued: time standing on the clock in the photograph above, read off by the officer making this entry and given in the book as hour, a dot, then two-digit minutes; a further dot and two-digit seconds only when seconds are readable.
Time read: 3.08
